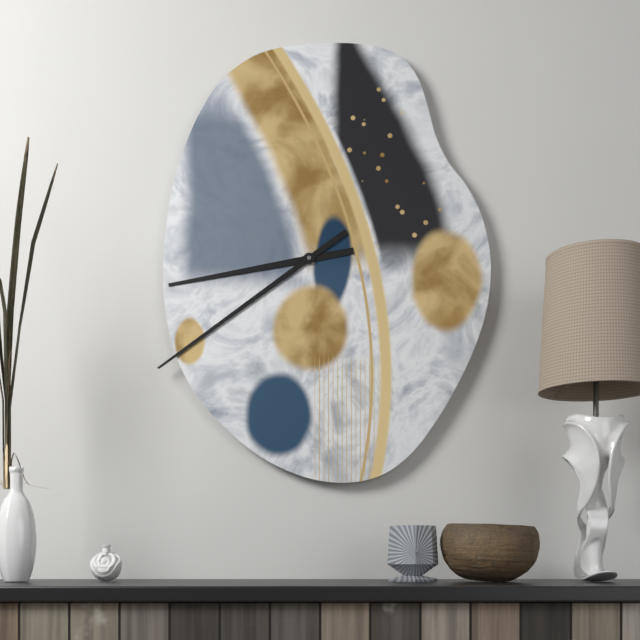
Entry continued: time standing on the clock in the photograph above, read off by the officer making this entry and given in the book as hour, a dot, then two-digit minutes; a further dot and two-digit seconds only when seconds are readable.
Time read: 8.39
